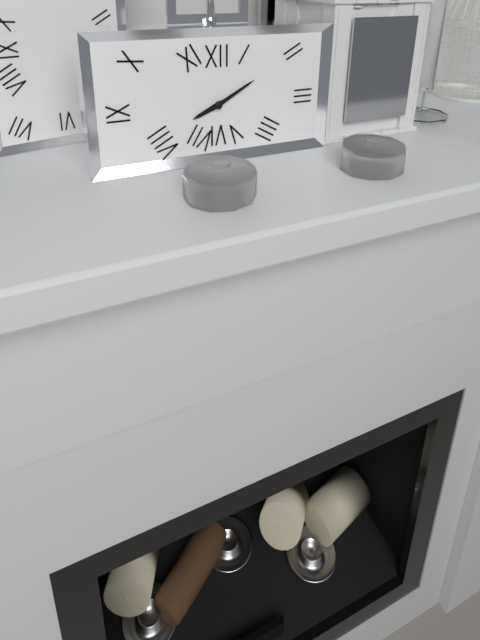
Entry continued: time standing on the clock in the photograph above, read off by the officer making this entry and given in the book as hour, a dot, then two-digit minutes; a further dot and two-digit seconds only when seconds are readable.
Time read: 8.10
